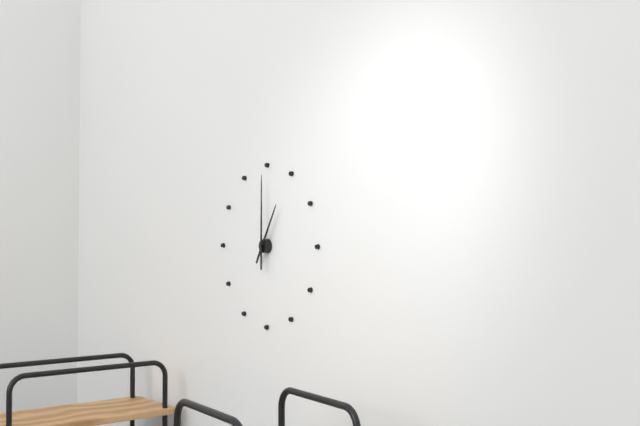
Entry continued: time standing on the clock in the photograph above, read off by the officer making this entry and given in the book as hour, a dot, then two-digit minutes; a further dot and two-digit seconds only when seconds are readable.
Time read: 1.00
